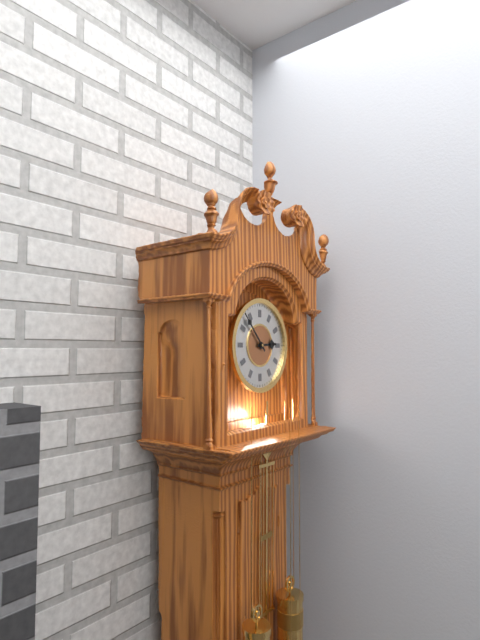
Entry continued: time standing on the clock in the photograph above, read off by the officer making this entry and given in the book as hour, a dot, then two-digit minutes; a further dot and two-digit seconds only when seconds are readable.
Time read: 2.53
